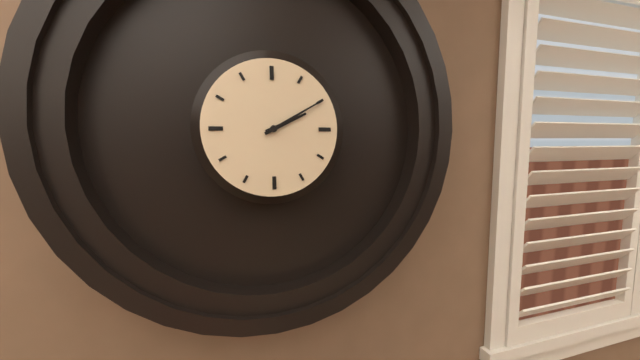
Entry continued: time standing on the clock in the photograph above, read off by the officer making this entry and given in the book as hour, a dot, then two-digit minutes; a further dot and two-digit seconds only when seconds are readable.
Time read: 2.10
